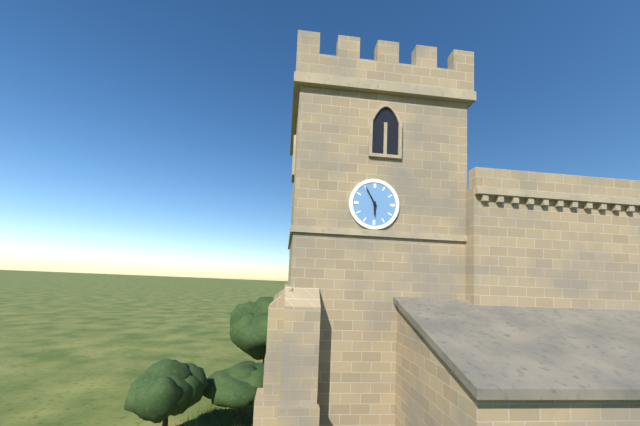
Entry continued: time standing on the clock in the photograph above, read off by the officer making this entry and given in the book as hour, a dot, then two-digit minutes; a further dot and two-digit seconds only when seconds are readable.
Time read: 5.55
